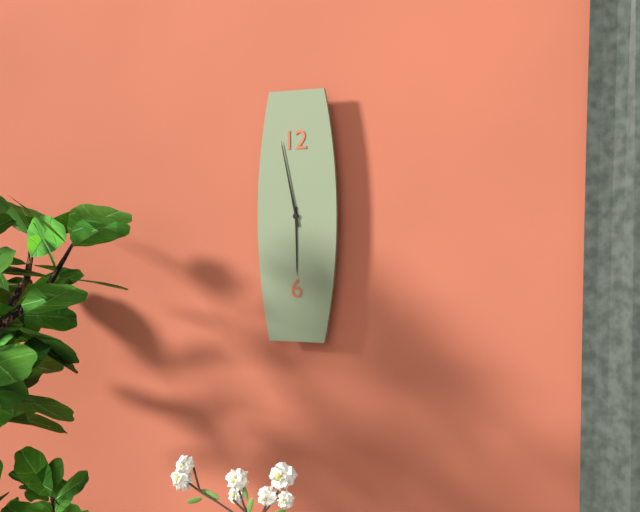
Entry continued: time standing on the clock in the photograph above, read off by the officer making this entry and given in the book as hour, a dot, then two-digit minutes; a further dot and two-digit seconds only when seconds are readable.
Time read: 5.58
